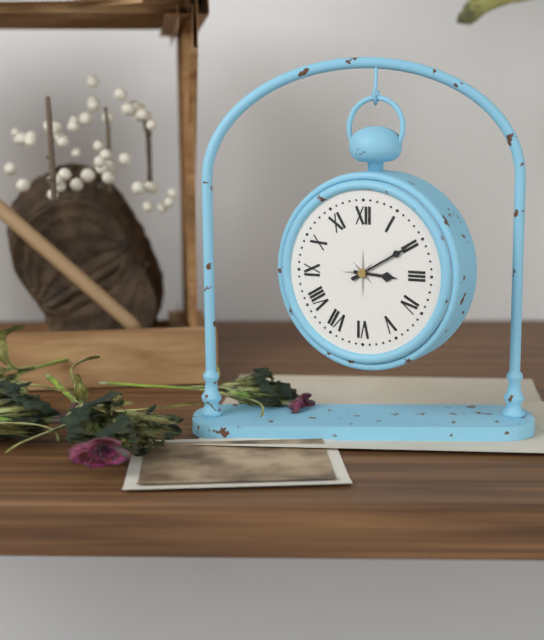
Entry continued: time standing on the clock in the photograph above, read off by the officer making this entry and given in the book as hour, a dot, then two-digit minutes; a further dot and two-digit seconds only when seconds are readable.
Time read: 3.10
